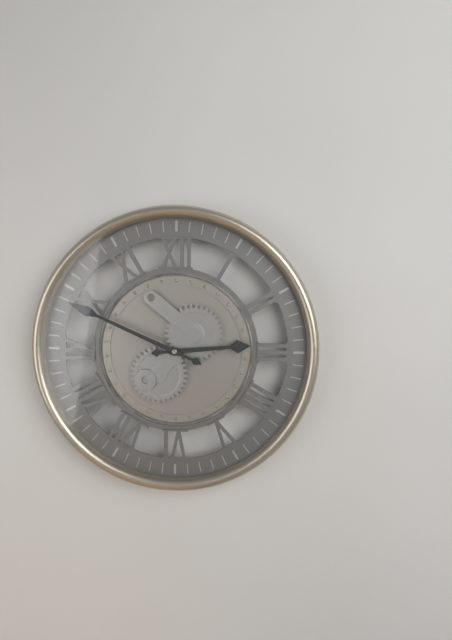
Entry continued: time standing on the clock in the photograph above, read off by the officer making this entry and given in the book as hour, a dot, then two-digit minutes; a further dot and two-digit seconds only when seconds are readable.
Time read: 2.49
